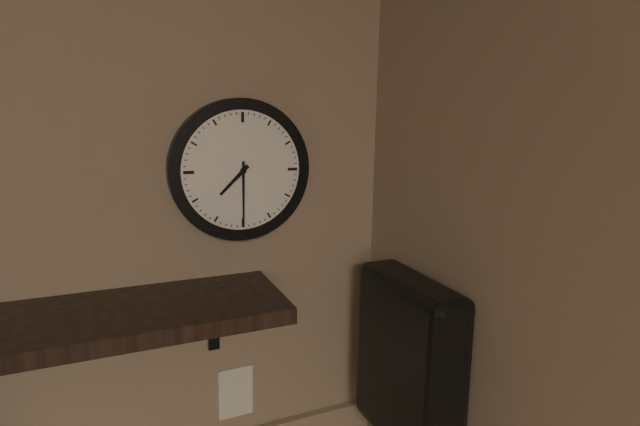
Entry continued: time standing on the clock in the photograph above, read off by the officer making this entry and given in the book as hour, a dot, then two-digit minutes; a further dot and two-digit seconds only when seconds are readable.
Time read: 7.30
